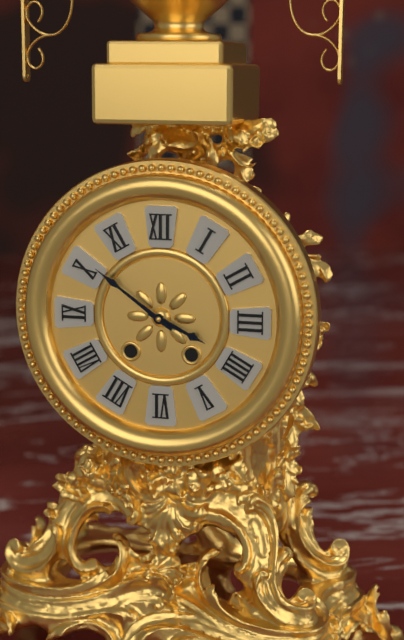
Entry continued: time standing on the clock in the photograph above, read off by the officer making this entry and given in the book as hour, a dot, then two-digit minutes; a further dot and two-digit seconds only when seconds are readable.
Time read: 3.51
